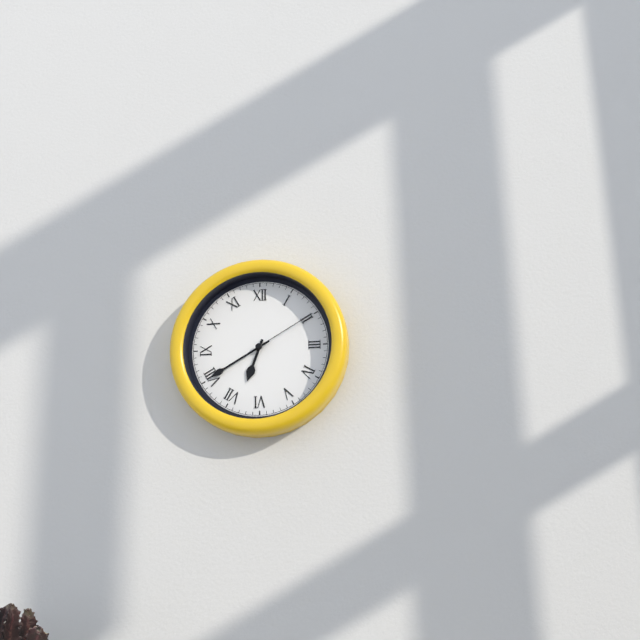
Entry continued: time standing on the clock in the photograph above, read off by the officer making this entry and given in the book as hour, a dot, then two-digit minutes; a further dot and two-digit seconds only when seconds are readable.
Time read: 6.40.10
